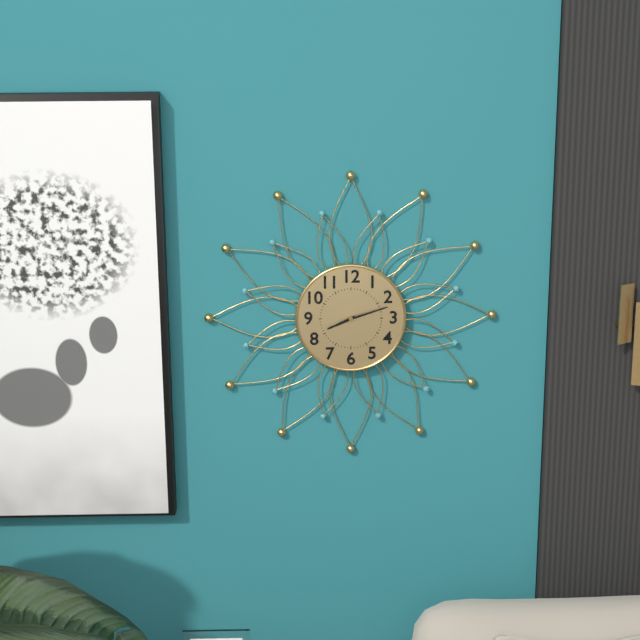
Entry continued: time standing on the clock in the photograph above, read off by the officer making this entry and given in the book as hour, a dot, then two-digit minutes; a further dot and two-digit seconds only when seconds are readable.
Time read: 8.12
